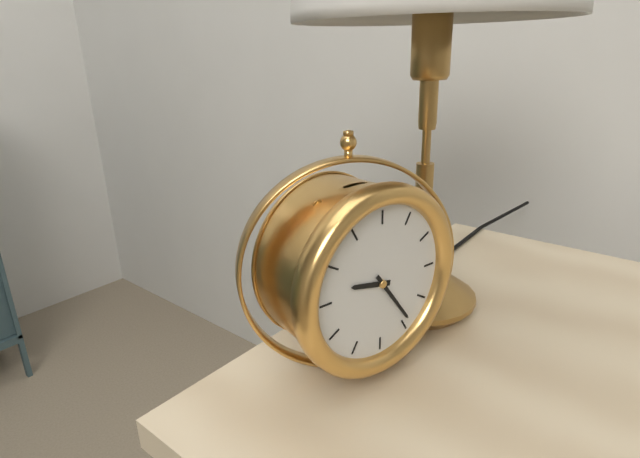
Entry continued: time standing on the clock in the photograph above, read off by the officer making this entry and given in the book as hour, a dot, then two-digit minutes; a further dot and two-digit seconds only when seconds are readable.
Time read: 9.24
